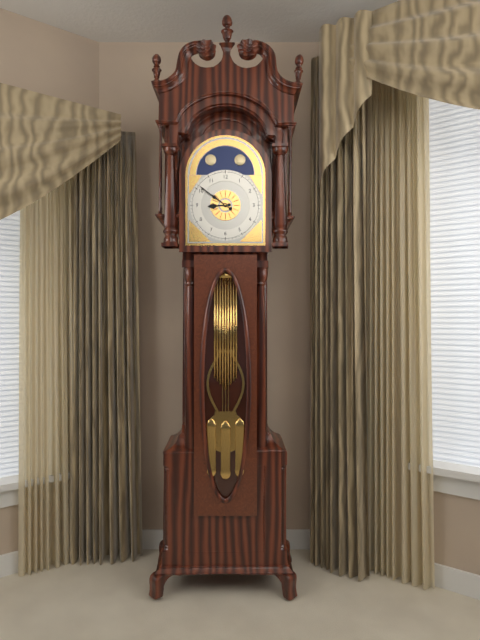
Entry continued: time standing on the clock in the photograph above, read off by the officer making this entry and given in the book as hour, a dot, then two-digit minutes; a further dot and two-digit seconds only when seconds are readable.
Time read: 8.51
